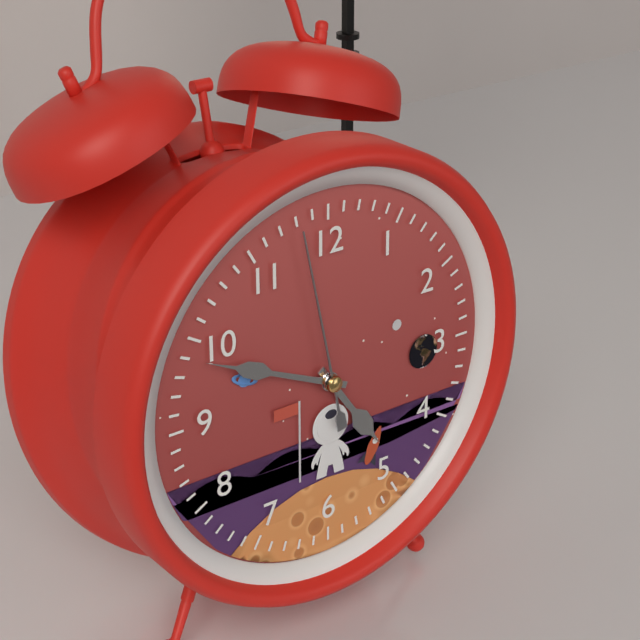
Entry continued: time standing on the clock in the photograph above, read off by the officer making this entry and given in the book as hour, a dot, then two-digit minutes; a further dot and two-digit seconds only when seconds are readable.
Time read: 4.49.58
